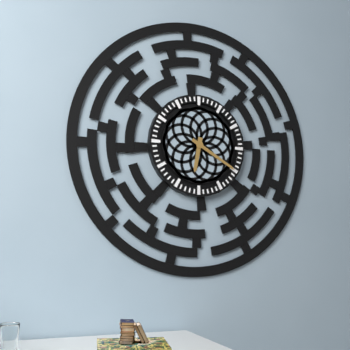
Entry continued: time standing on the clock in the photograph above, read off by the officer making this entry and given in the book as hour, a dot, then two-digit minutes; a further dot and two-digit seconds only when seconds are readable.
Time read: 6.20
